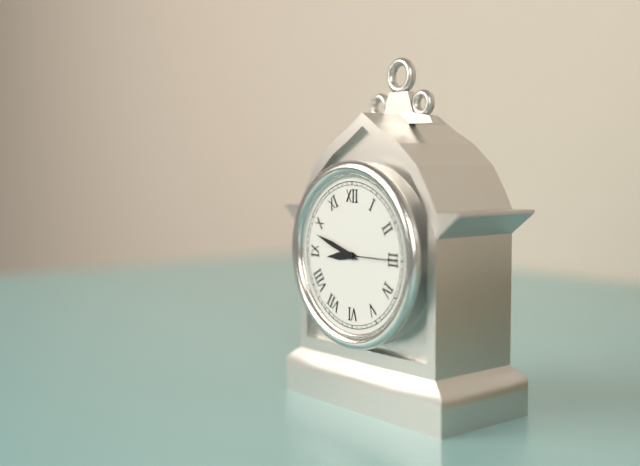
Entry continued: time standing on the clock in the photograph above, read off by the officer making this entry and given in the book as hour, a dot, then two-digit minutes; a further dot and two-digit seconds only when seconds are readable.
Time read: 8.48.15
